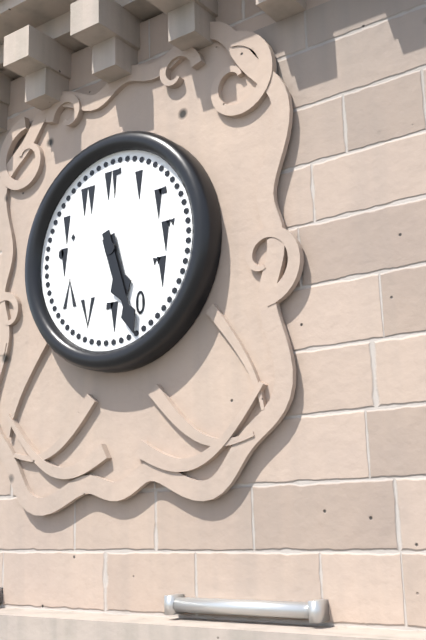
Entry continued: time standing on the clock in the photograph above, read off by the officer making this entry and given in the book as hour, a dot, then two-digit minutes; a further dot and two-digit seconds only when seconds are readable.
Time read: 5.27
